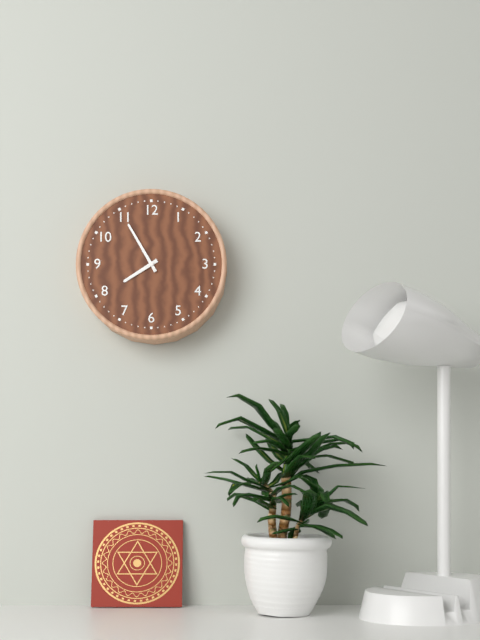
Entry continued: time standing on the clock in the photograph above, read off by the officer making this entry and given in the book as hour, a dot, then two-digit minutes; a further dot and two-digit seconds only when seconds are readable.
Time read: 7.55
